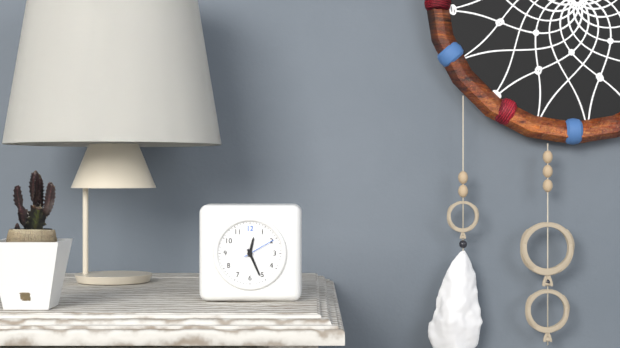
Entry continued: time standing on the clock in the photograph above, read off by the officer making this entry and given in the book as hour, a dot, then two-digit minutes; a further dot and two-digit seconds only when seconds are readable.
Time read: 12.26
